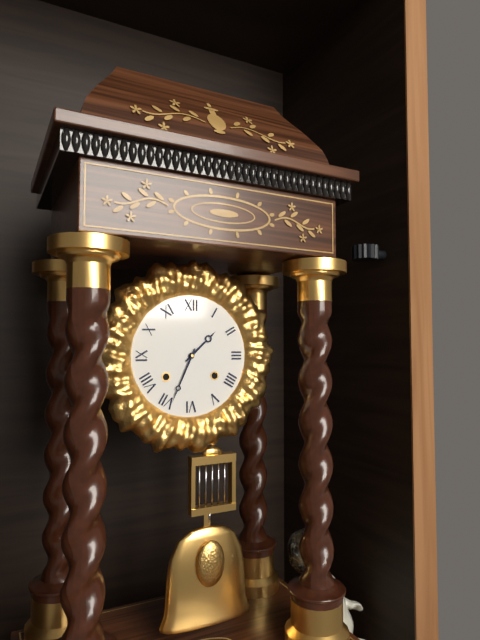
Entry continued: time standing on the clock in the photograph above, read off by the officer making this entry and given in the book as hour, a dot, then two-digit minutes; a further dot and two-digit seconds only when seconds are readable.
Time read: 1.34
